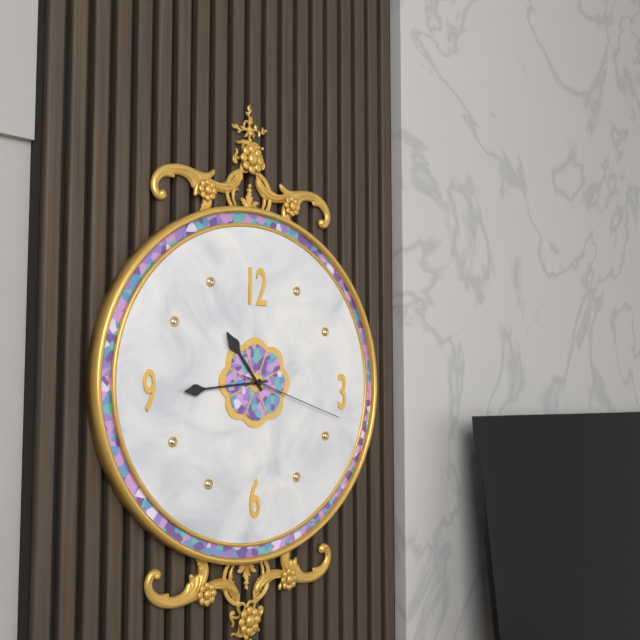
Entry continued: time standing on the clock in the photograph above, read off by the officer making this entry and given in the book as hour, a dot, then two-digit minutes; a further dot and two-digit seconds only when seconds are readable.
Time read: 10.44.18
